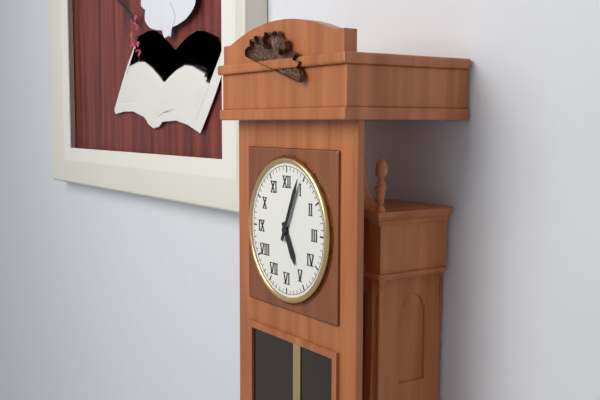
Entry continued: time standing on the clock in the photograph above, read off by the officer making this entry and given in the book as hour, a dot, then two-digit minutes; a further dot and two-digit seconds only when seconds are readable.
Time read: 5.04
